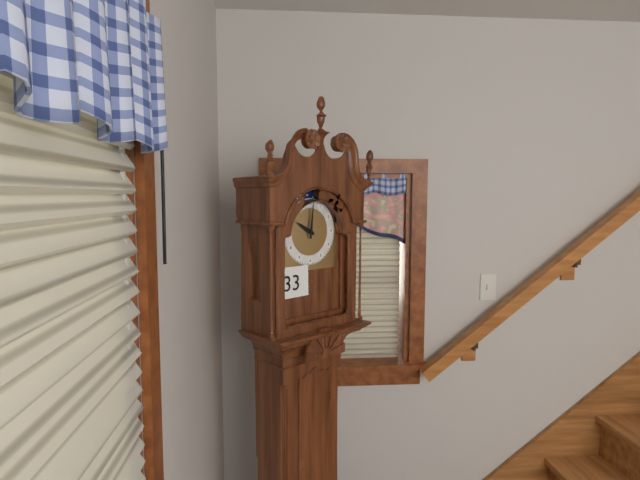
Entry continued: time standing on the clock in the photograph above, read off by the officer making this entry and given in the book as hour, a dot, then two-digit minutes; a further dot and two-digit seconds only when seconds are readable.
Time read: 10.01
